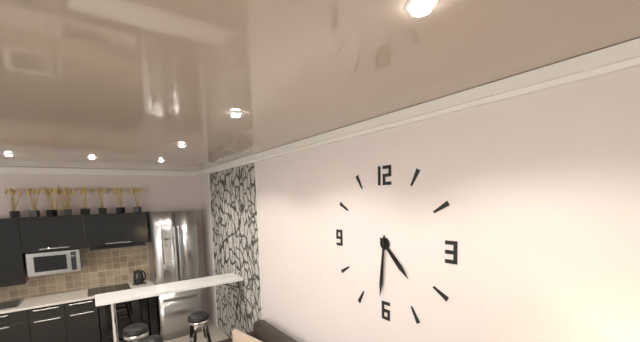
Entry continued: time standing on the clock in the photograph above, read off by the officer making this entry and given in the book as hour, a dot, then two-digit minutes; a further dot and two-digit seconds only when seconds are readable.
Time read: 4.31
